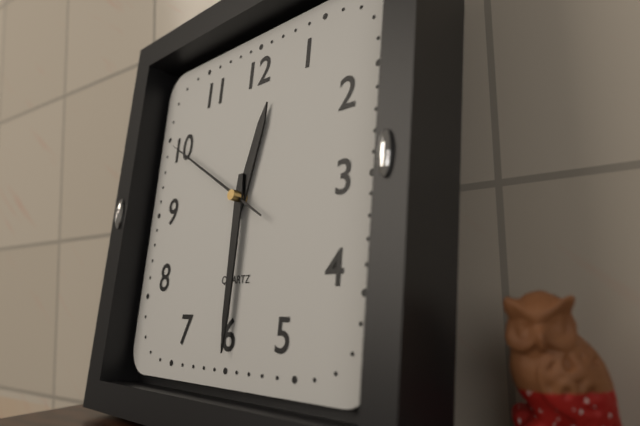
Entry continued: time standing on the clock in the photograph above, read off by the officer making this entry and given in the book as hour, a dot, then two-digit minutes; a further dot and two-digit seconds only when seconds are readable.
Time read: 12.30.50
